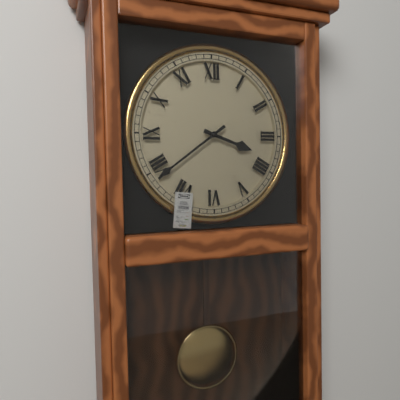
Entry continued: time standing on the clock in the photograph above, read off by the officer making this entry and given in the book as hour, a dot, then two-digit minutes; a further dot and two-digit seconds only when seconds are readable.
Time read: 3.39
